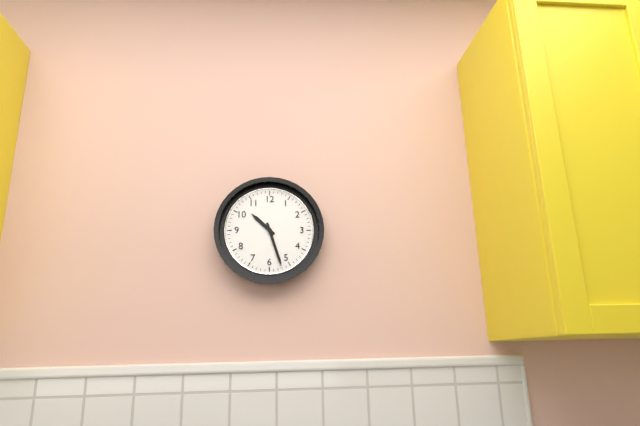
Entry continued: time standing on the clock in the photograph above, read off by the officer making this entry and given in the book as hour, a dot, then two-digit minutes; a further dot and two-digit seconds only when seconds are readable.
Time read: 10.27
